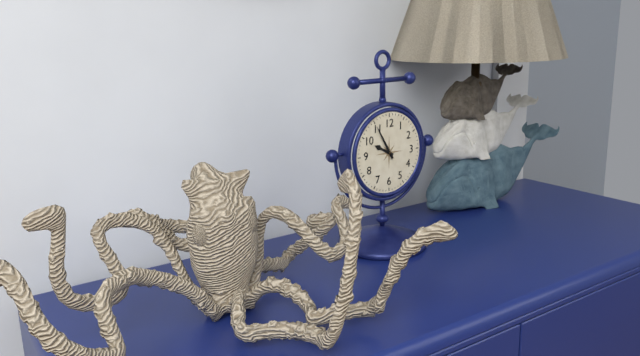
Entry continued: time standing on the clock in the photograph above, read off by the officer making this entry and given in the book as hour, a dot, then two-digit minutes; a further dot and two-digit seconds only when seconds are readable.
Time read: 9.55
